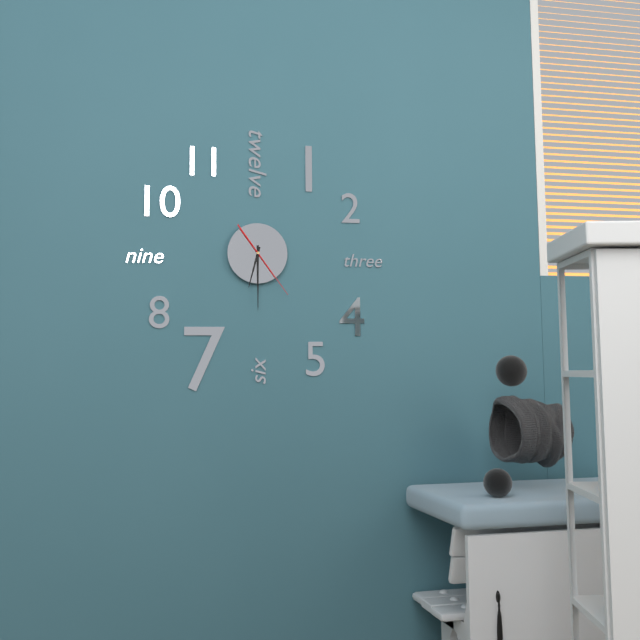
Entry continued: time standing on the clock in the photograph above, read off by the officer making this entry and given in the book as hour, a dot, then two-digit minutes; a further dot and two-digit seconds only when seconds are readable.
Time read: 6.30.24
